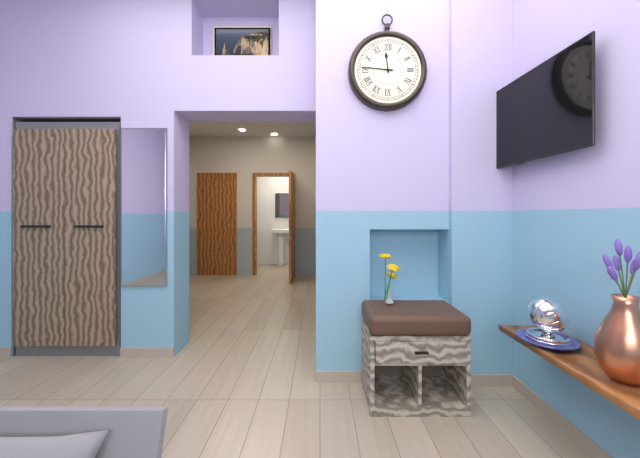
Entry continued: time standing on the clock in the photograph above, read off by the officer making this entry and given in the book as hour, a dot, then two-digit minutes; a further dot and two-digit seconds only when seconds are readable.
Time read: 11.46
